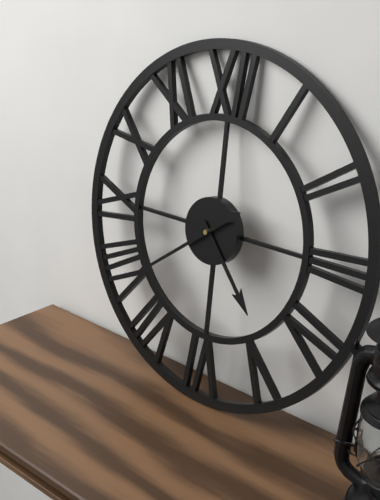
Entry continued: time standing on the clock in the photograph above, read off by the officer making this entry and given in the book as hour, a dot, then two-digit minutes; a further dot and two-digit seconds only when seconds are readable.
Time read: 4.39
